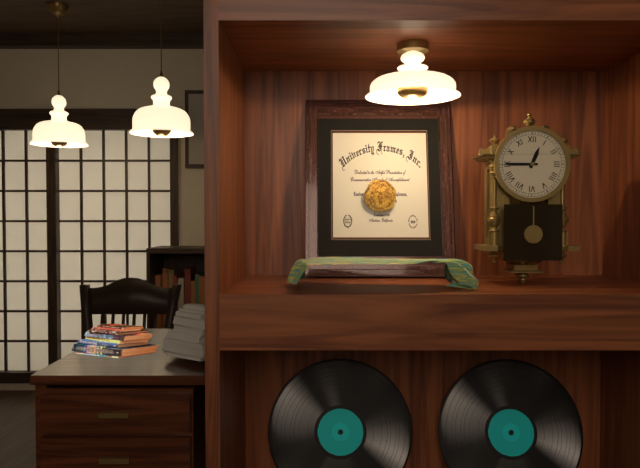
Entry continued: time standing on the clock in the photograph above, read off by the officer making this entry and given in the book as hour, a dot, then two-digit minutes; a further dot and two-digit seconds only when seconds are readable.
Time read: 12.45
